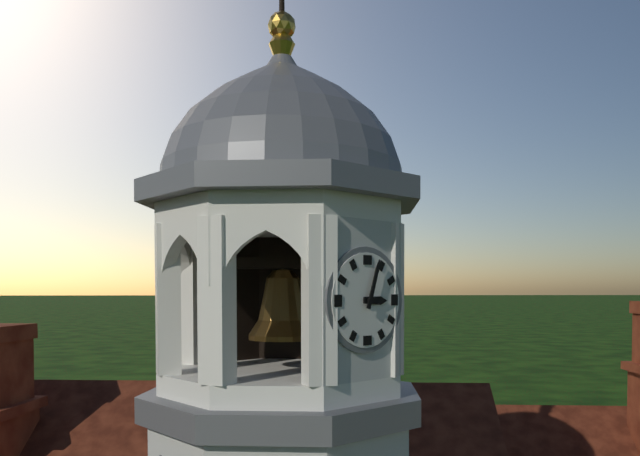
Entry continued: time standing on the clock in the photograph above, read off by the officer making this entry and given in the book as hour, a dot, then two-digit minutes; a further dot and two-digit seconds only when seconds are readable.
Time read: 3.03
